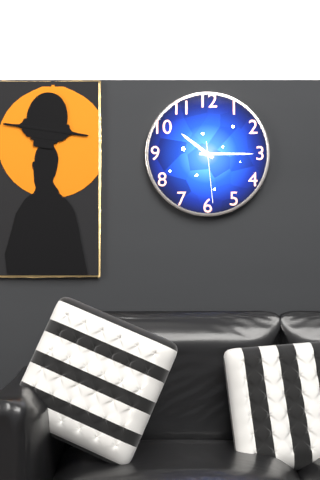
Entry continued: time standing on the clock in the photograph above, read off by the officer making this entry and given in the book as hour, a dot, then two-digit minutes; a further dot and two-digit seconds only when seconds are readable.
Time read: 10.15.29
